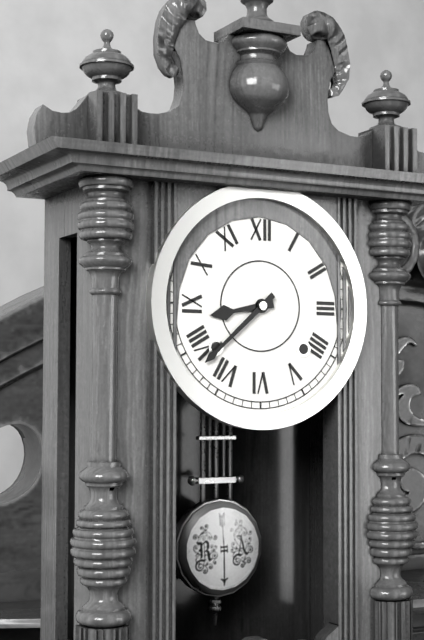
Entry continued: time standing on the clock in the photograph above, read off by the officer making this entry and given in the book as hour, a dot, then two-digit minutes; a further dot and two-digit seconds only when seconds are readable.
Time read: 8.38
